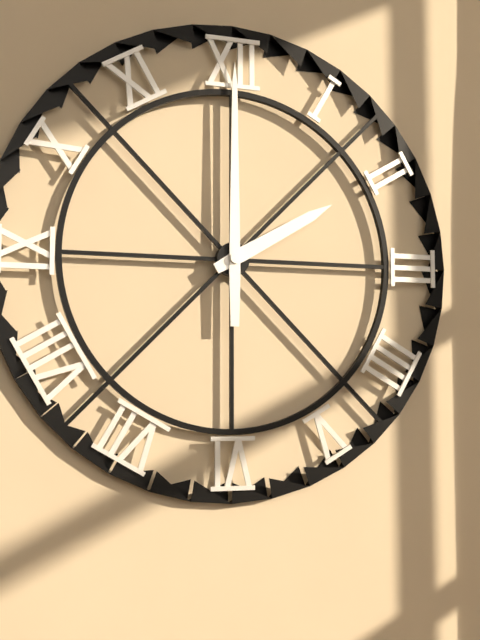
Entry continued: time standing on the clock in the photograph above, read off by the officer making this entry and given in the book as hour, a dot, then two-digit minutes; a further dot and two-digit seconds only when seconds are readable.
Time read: 2.00
